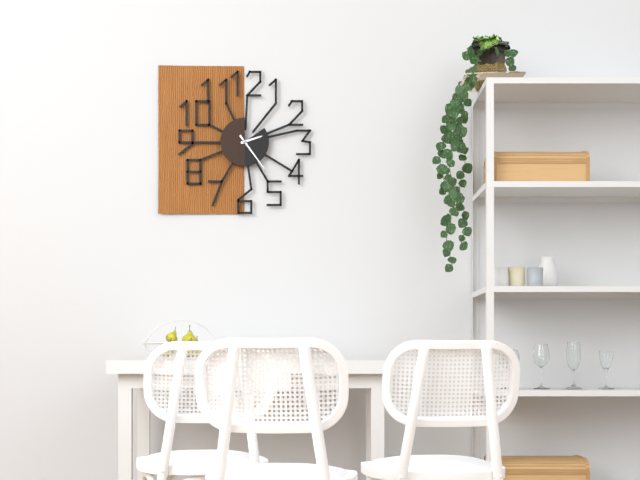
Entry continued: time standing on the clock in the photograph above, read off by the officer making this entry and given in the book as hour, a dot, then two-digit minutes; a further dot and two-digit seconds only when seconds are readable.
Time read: 2.24
